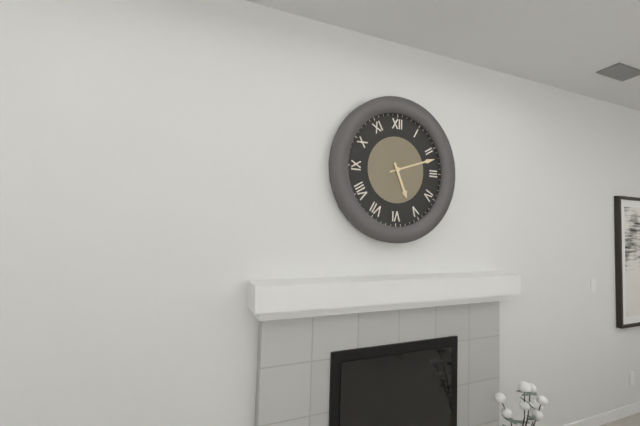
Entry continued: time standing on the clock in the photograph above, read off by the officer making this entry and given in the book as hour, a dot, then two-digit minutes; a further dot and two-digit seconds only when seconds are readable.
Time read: 5.12
